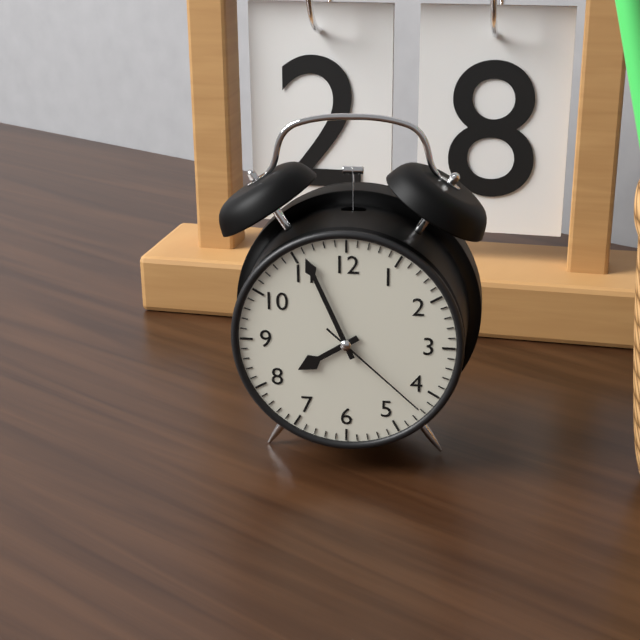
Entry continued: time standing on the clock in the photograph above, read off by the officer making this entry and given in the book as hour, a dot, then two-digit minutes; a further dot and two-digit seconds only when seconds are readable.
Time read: 7.56.22
